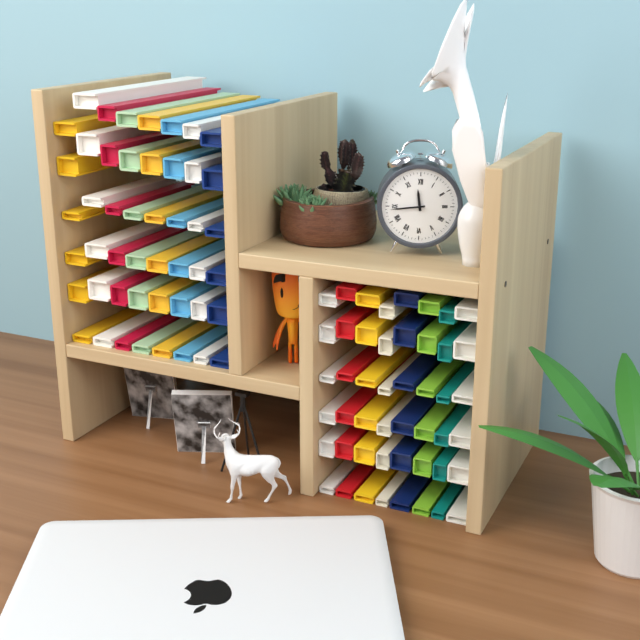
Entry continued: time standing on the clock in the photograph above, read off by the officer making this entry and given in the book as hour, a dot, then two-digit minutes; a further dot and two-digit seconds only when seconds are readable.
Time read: 11.44
